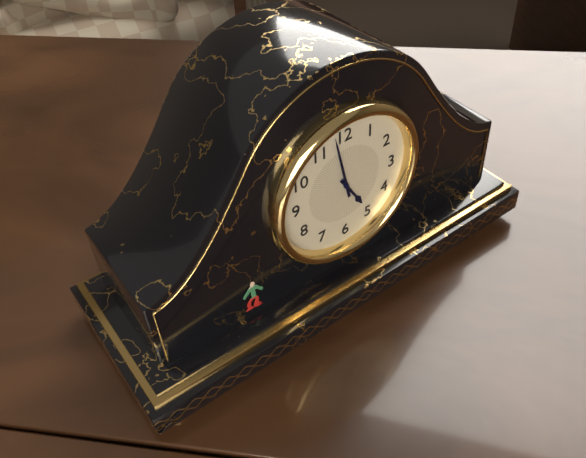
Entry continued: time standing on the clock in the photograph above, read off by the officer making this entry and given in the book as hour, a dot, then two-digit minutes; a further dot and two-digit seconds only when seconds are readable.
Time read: 4.58
